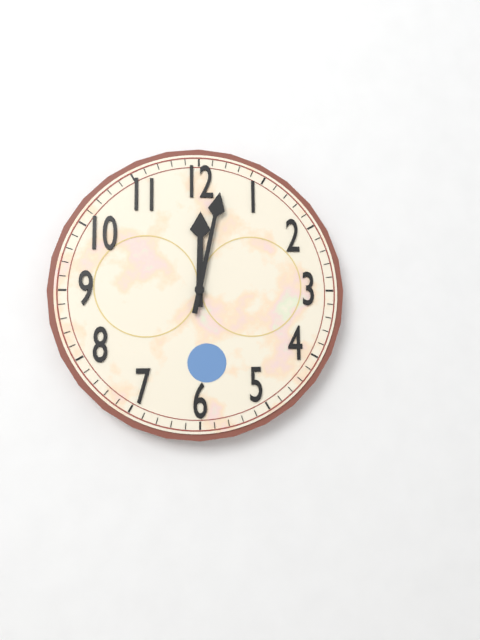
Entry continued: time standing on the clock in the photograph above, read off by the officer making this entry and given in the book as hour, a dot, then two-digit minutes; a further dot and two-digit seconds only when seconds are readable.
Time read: 12.02
